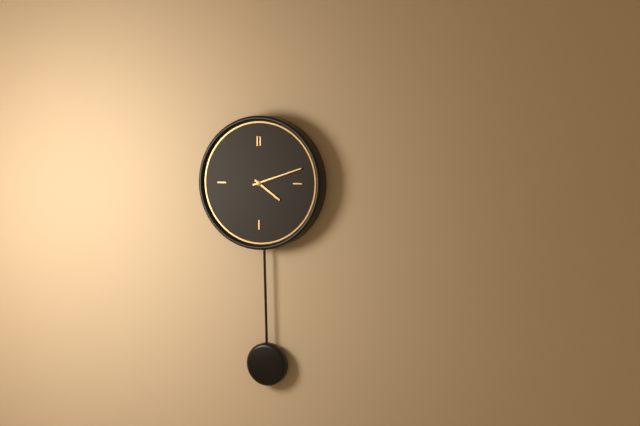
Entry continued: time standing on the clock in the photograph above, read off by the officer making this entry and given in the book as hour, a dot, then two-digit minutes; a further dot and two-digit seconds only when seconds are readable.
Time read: 4.12
